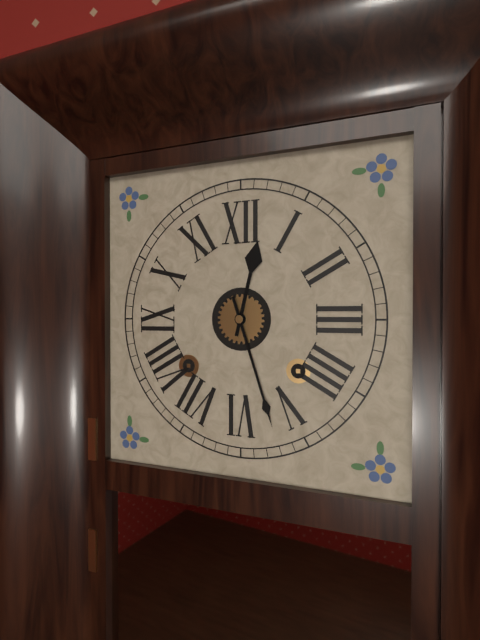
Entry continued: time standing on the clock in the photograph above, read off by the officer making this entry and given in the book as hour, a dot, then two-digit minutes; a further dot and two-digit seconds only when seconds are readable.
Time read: 12.27
